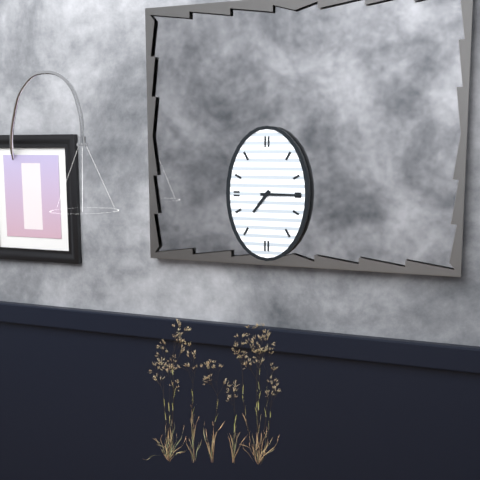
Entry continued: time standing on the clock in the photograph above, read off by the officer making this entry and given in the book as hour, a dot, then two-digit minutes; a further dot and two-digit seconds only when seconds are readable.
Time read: 7.15
